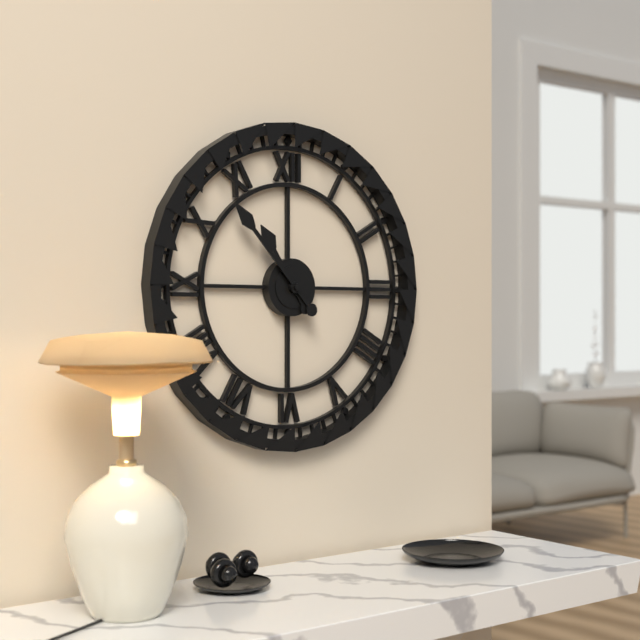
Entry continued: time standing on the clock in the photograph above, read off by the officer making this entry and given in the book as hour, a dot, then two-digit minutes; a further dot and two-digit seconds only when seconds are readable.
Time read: 10.53
